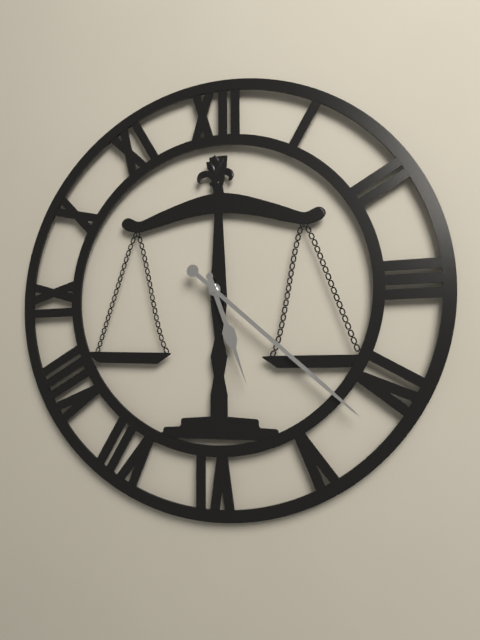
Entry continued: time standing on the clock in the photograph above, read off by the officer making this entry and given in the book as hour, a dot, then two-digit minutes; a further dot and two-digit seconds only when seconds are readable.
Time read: 5.22
